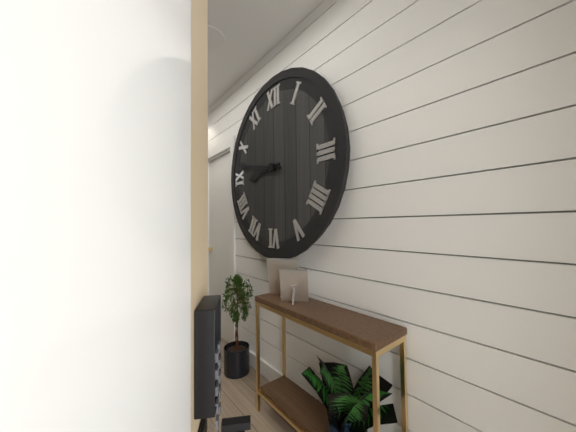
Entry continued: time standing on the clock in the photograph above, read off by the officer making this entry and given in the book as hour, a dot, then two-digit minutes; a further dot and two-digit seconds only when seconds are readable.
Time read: 8.47
